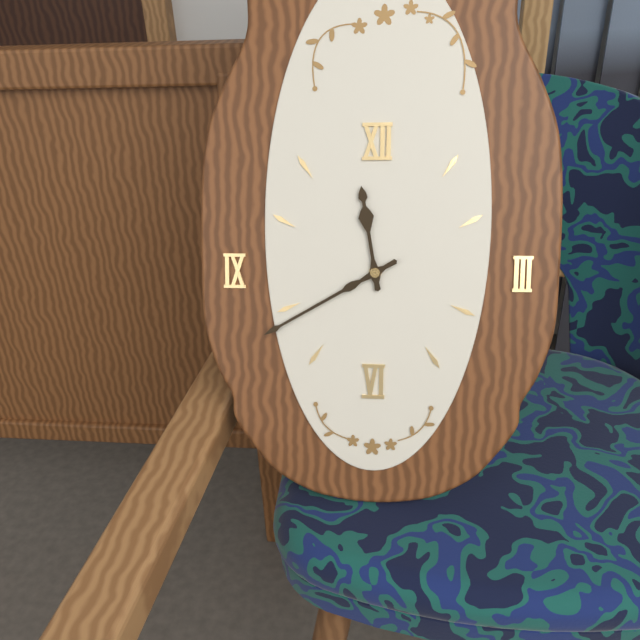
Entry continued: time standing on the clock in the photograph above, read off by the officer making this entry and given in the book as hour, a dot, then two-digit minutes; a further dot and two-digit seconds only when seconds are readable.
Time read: 11.40
